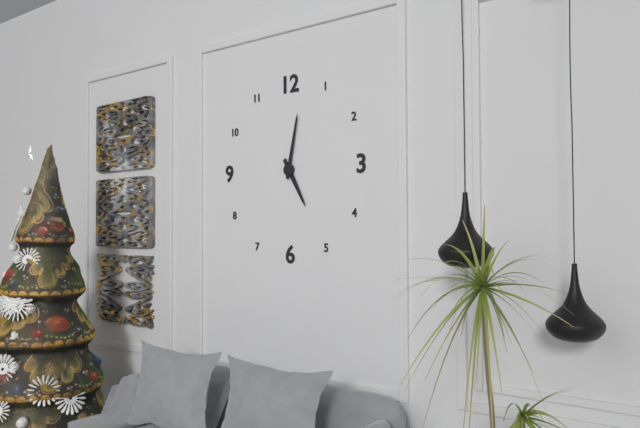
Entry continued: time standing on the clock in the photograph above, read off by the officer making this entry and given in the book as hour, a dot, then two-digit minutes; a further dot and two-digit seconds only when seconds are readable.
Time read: 5.02
